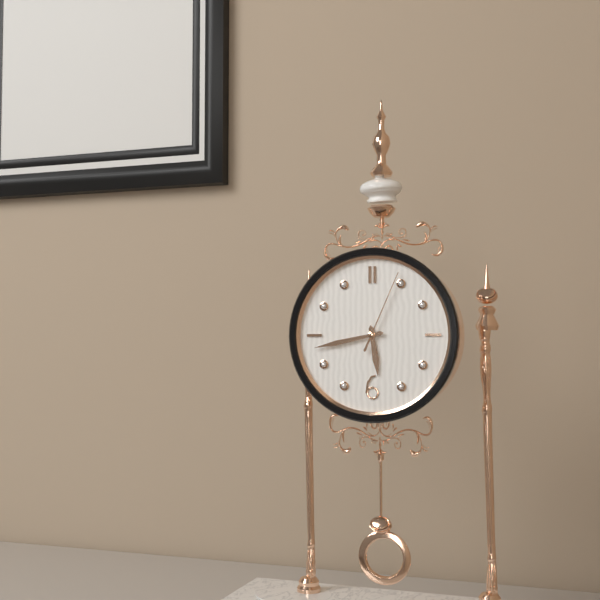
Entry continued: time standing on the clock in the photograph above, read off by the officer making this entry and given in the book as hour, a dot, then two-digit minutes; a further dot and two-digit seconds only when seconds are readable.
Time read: 5.43.04
